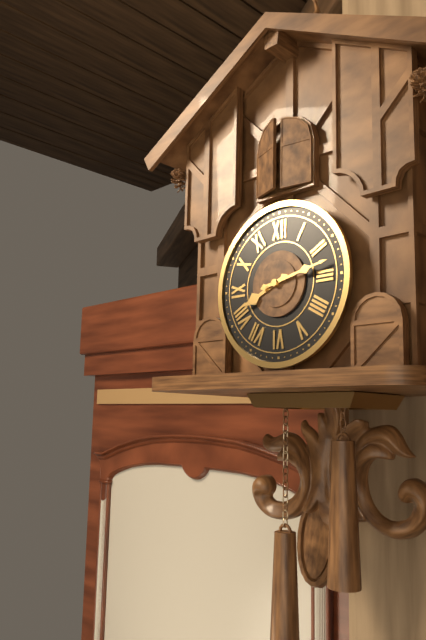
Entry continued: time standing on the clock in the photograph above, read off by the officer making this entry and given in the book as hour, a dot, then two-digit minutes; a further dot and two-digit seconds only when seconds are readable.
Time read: 8.13
